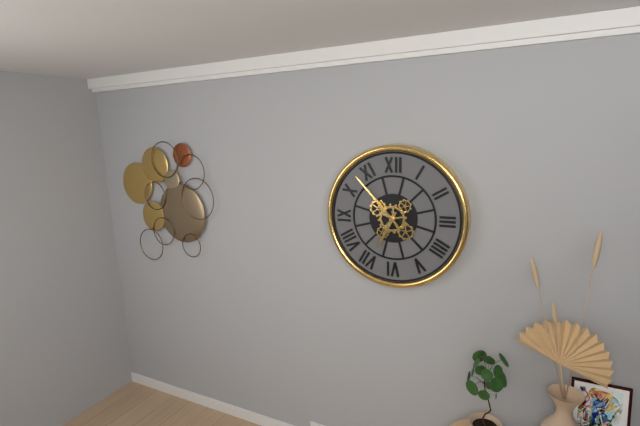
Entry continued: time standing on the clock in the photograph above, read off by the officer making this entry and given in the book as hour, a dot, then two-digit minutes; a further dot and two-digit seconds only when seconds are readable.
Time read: 6.53
